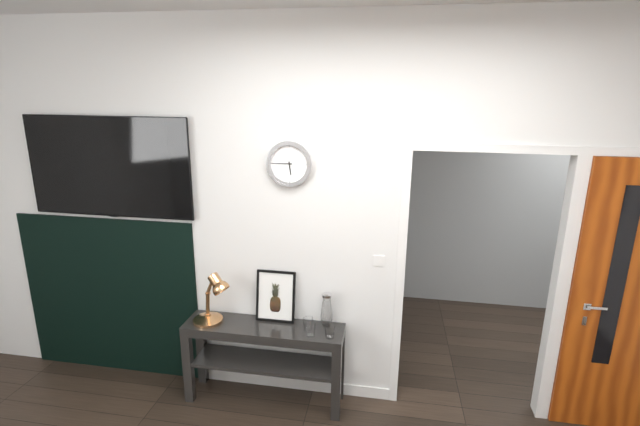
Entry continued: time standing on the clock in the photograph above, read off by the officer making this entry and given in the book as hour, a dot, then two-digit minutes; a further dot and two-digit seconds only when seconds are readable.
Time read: 5.45
